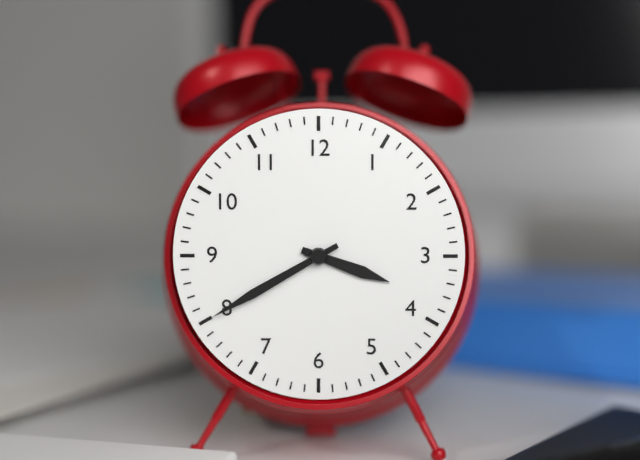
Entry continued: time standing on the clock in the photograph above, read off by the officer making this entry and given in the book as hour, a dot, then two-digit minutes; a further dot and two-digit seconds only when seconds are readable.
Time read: 3.40
